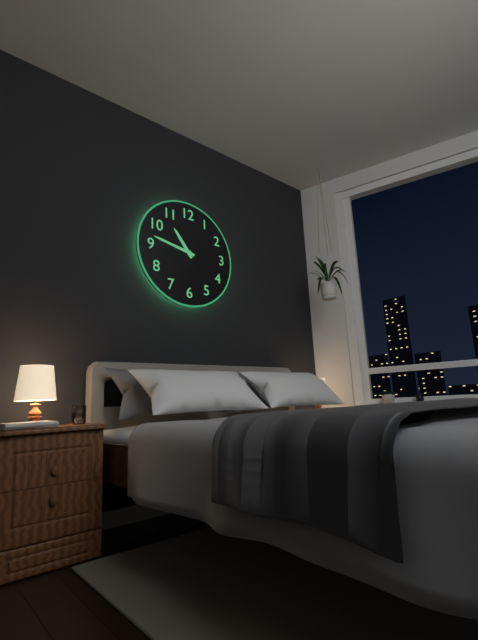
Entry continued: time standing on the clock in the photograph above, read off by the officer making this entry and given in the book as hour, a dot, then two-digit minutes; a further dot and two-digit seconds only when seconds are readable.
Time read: 10.47
